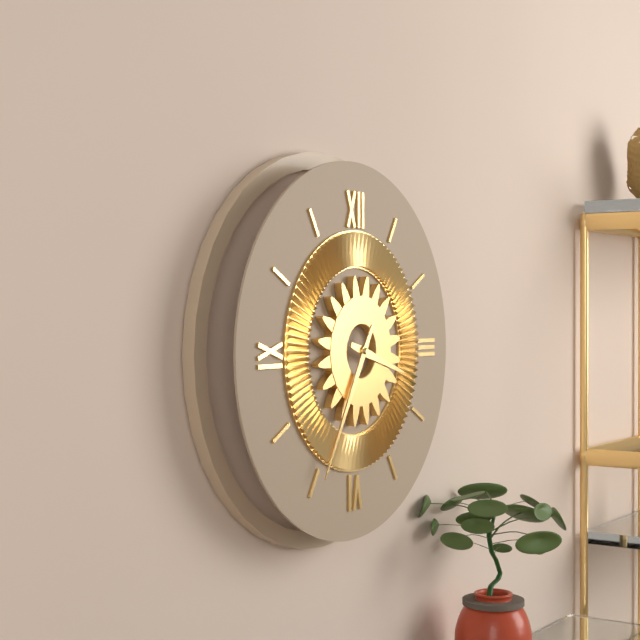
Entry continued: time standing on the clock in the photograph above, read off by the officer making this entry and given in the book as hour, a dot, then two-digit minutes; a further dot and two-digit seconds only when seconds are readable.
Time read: 3.35
